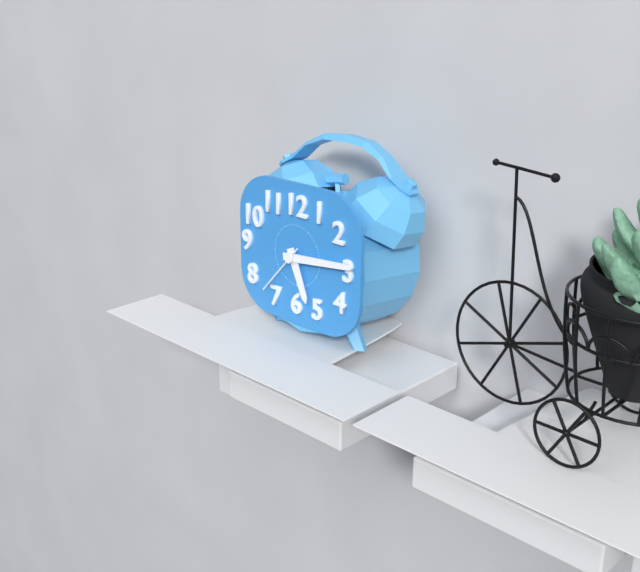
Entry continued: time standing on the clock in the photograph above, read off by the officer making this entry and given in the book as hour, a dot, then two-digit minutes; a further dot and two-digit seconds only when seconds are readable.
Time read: 5.14.37
